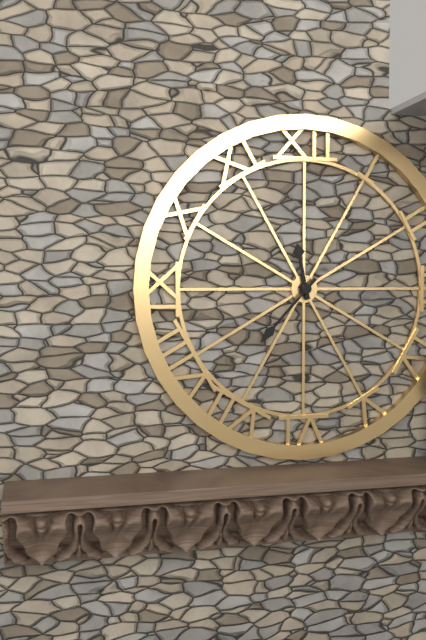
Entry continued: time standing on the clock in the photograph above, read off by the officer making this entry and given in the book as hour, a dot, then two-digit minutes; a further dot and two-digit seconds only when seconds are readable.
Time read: 11.37
